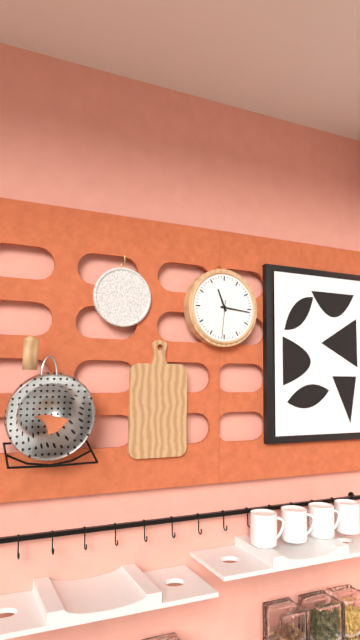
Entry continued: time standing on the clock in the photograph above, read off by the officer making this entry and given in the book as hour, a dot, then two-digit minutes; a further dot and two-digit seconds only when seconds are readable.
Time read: 11.16
